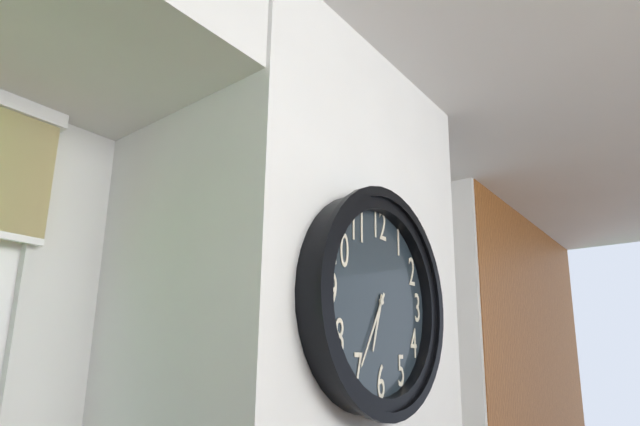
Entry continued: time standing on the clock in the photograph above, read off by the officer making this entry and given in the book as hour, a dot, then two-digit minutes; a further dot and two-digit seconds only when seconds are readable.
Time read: 6.35
